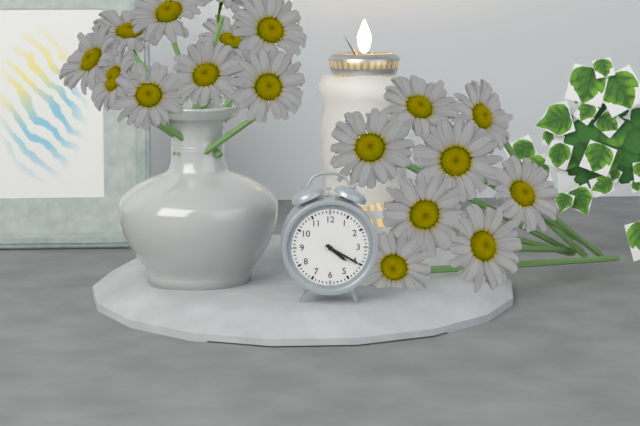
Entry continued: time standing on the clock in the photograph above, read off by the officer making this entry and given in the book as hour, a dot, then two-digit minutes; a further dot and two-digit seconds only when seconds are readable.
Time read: 4.20
